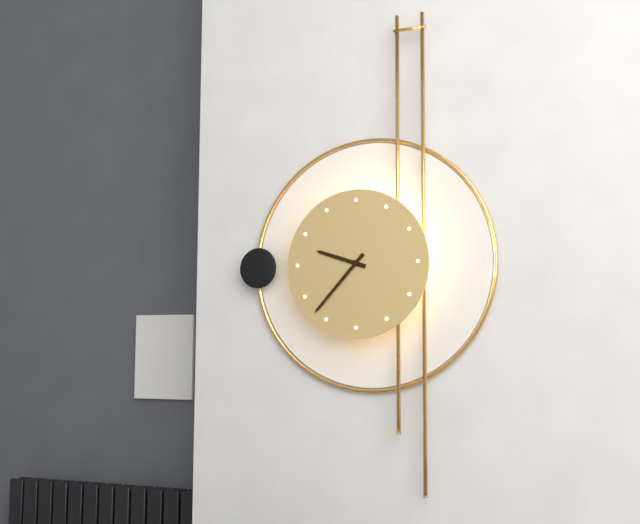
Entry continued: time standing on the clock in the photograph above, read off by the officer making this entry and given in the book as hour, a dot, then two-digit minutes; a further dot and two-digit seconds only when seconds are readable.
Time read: 9.37
